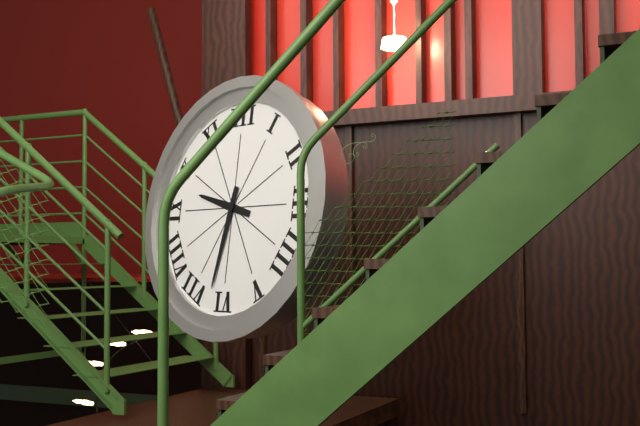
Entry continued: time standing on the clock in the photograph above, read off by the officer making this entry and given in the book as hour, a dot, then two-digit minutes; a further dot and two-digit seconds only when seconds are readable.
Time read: 9.32
